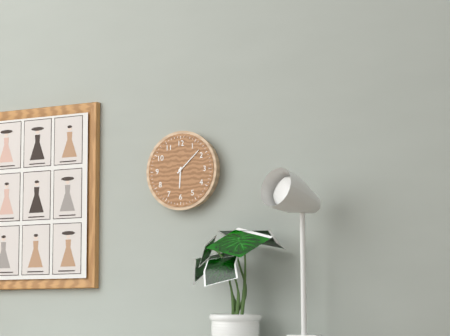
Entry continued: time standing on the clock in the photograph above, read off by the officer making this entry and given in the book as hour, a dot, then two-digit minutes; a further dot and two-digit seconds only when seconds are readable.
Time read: 6.08
